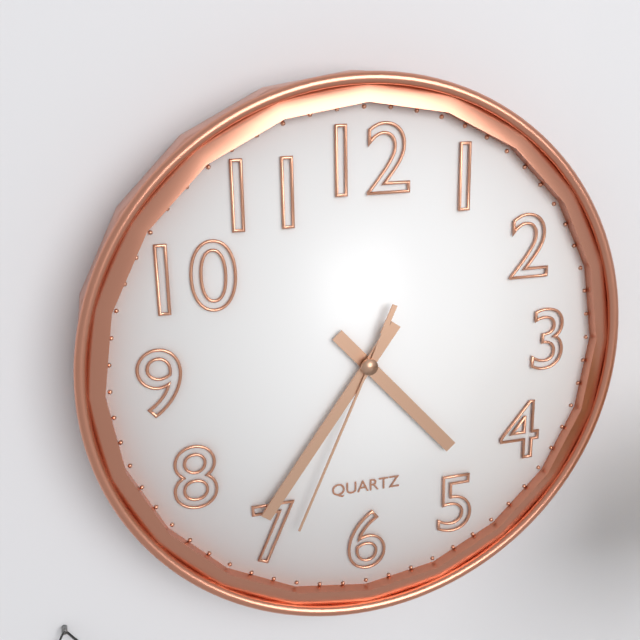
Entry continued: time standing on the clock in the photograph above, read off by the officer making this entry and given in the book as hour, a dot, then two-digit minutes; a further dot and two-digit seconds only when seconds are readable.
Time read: 4.36.34
